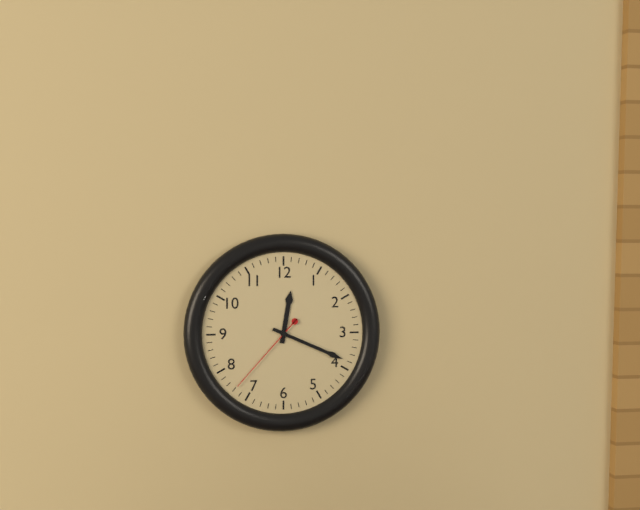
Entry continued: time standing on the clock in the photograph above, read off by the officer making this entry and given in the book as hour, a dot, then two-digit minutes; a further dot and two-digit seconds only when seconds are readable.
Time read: 12.19.37
